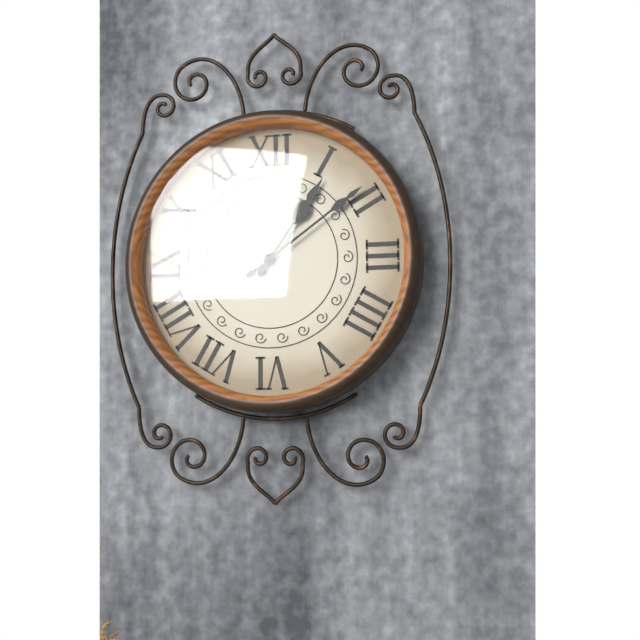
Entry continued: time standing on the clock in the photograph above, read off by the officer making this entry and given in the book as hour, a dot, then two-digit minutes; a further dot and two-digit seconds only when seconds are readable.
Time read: 1.09
